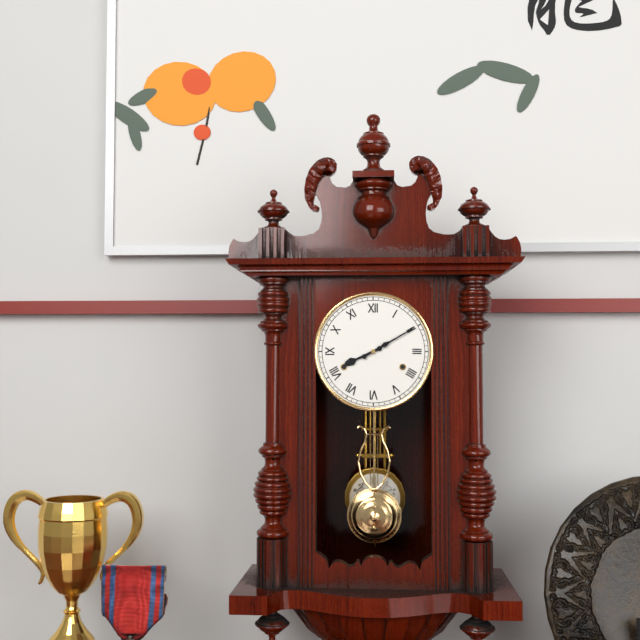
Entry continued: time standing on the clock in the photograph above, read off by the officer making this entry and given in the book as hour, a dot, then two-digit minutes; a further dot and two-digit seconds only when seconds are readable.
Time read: 8.10
